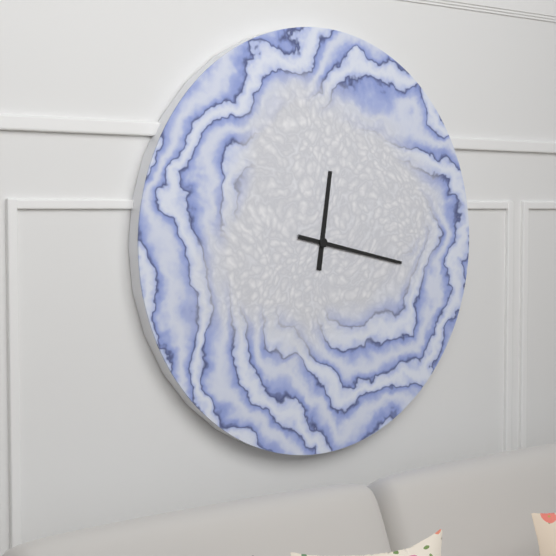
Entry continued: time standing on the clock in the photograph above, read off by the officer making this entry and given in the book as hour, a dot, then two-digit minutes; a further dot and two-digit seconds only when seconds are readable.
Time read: 12.17
